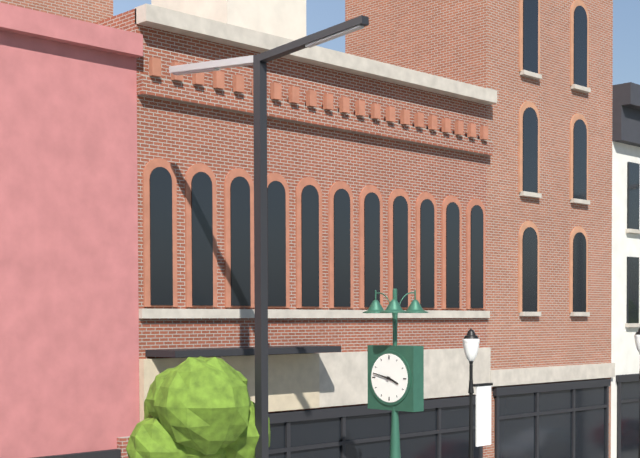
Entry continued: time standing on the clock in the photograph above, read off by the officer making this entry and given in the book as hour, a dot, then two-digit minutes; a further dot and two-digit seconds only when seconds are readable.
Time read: 3.47
